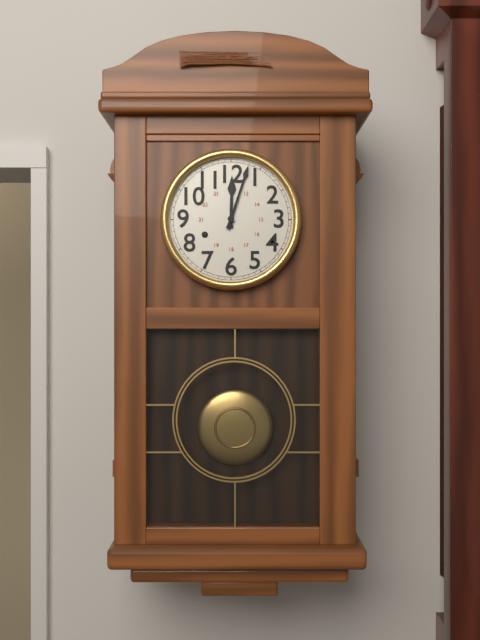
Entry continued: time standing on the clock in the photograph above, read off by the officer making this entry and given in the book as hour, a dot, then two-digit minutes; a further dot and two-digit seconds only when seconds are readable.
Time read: 12.03
